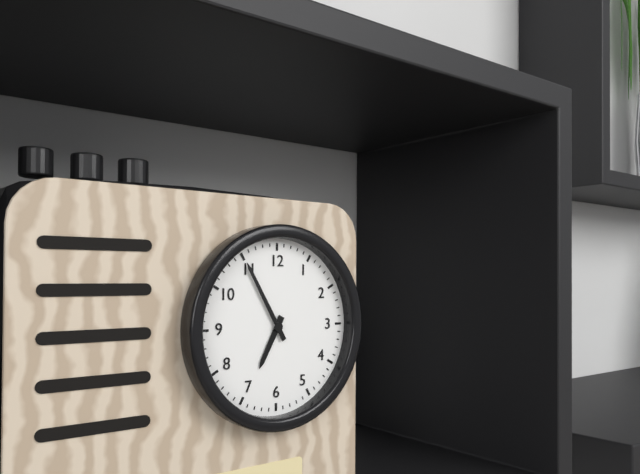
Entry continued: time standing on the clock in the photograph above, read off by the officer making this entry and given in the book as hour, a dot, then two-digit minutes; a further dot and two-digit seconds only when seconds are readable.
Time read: 6.55
